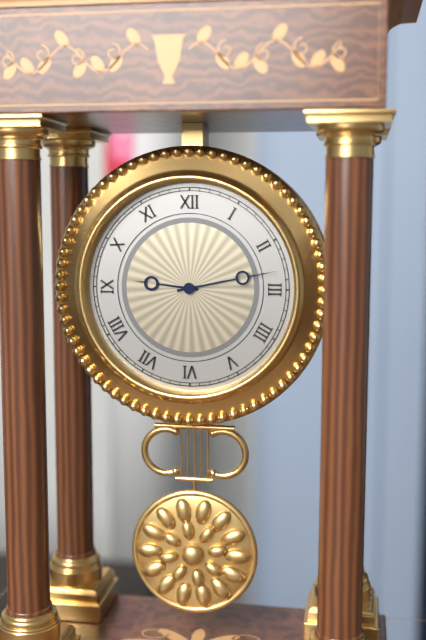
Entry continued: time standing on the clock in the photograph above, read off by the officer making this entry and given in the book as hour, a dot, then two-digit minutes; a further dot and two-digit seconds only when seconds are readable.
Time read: 9.13
